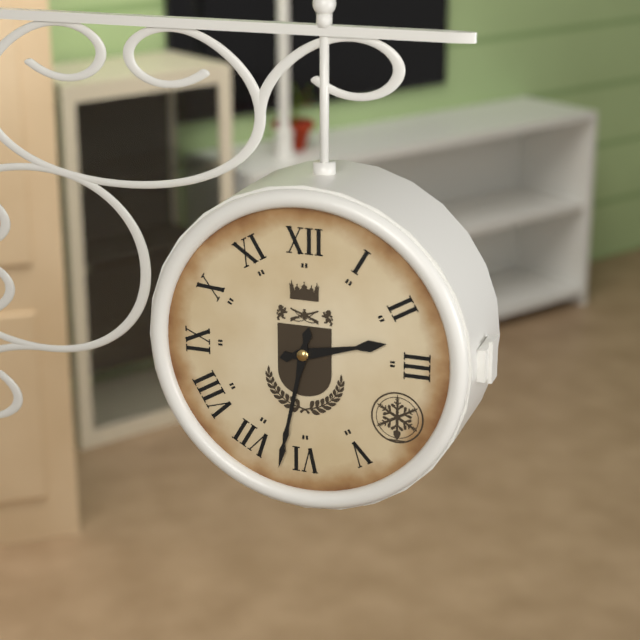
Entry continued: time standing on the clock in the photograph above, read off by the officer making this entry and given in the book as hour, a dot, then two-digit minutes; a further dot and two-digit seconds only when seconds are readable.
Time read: 2.32
